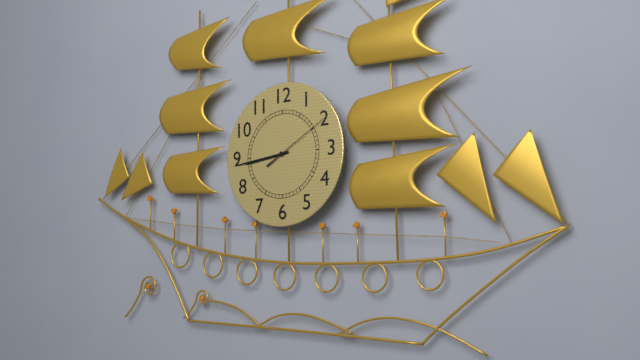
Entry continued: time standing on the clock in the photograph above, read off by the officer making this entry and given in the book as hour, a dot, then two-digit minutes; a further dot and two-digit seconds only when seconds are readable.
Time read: 8.44.10
